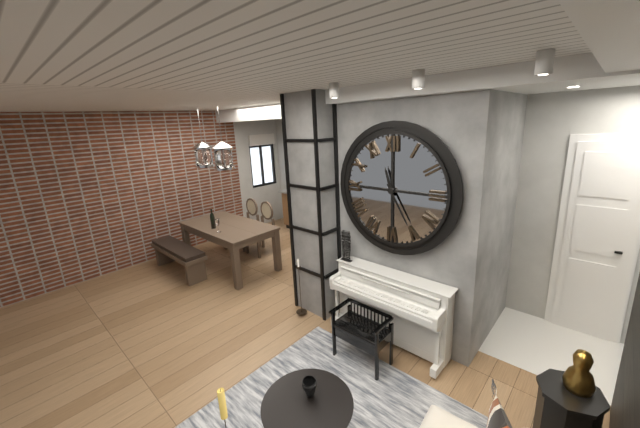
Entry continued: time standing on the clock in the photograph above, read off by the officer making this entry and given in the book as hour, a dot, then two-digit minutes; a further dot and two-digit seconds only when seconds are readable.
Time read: 11.25
